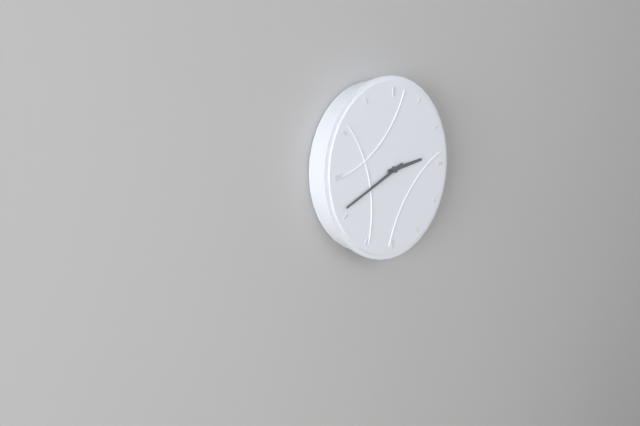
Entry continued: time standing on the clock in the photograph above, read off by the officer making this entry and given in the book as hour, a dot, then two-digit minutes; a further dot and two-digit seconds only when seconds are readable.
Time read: 2.41
